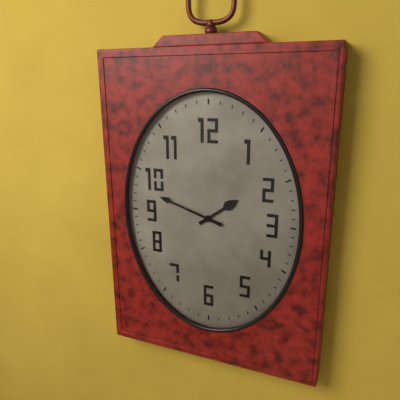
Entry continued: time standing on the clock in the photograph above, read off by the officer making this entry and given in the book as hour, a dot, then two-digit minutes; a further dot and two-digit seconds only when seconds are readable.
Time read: 1.48
